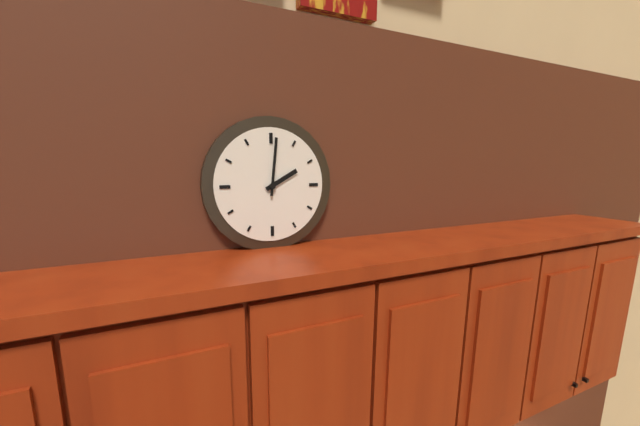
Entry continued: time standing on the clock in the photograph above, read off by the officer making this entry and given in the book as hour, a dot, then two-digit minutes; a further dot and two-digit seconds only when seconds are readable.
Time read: 2.01
